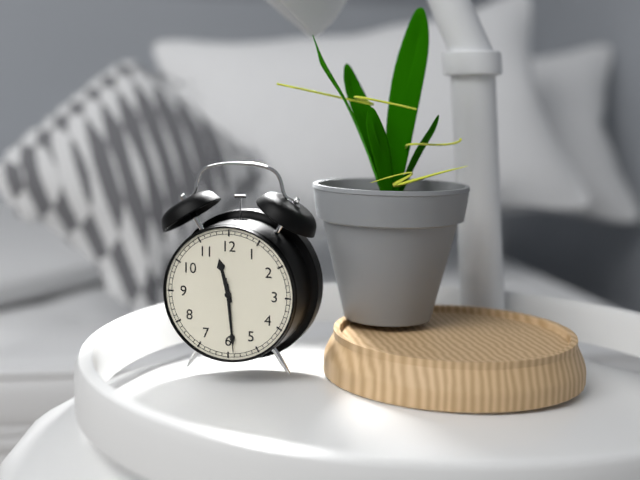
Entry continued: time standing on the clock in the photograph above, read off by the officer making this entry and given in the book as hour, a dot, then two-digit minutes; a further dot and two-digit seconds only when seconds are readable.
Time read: 11.29.29
